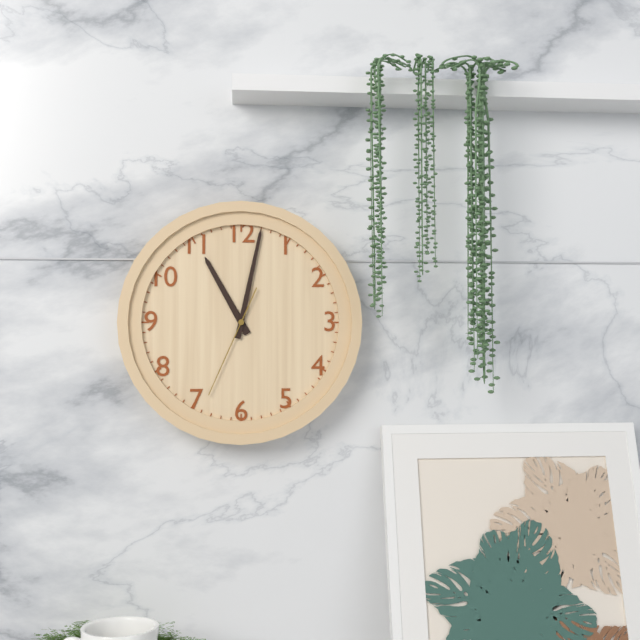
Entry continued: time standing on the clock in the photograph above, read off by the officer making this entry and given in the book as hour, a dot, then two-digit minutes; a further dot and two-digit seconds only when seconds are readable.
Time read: 11.02.34
